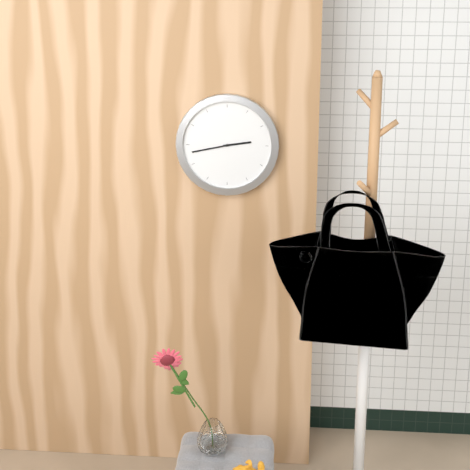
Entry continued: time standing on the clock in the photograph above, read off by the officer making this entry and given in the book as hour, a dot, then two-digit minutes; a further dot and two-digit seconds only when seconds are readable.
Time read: 2.43
